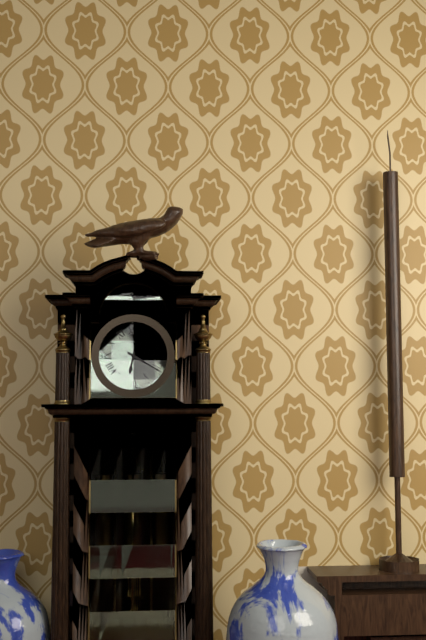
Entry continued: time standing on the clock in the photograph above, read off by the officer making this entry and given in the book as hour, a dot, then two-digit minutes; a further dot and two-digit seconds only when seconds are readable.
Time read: 6.20
